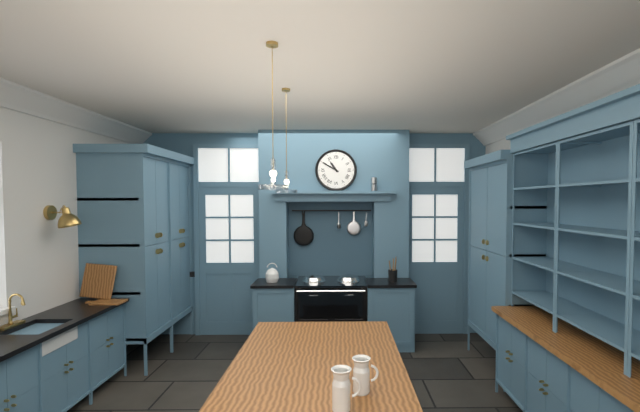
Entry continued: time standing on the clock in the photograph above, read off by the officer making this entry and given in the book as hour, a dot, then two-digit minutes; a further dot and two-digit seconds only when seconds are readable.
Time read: 10.50
